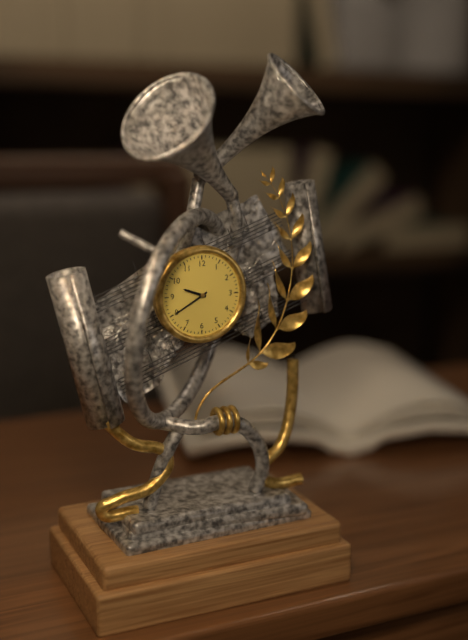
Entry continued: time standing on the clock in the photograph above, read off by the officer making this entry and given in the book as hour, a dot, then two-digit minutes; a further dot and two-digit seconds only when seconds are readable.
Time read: 9.40
